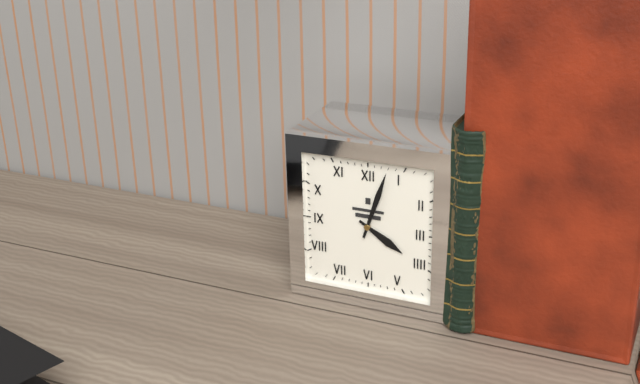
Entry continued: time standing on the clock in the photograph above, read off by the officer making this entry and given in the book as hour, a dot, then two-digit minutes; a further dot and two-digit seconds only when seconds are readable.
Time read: 4.03
